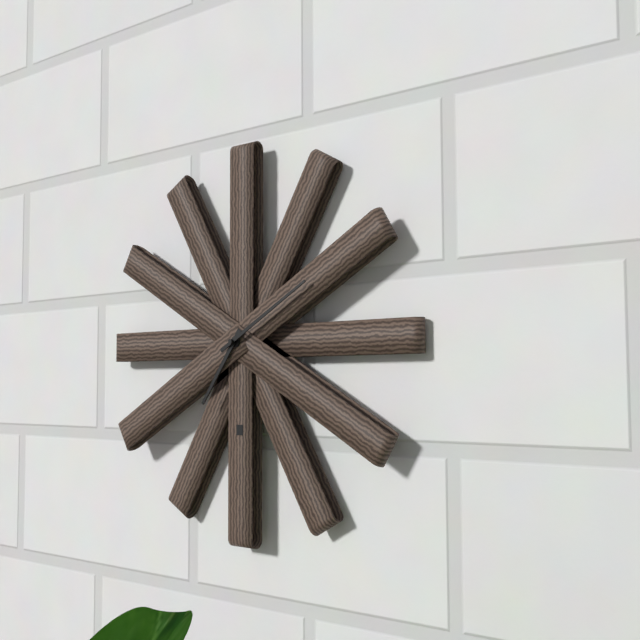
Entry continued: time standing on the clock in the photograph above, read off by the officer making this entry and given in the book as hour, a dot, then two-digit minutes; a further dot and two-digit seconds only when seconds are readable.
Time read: 7.10
